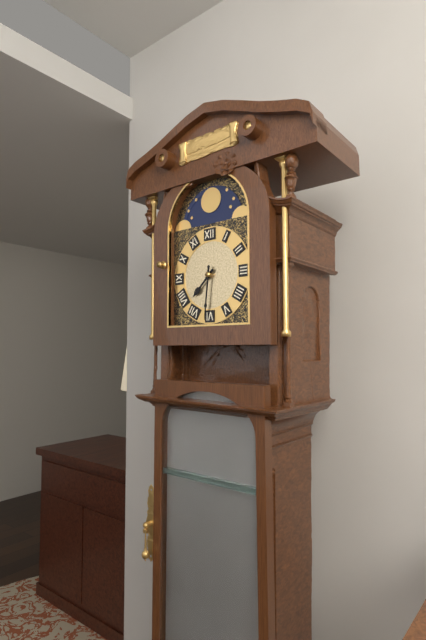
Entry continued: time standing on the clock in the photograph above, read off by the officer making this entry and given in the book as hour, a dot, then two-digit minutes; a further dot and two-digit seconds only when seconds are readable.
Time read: 7.31
